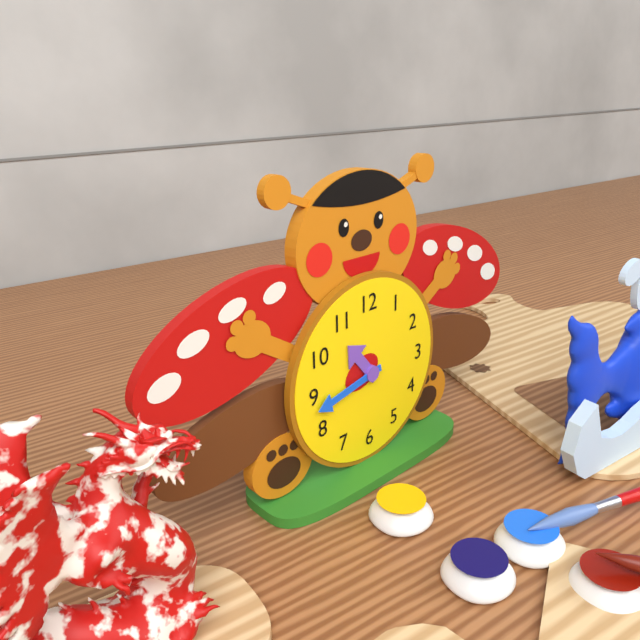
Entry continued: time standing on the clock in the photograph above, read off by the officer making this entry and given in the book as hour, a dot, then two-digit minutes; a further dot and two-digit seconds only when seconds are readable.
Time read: 10.43
